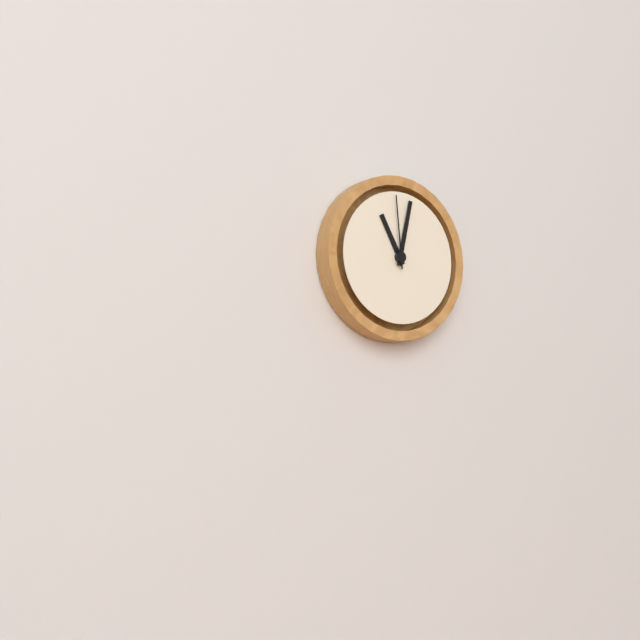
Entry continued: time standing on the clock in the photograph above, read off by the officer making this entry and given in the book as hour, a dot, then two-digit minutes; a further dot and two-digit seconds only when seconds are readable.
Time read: 11.02.59
